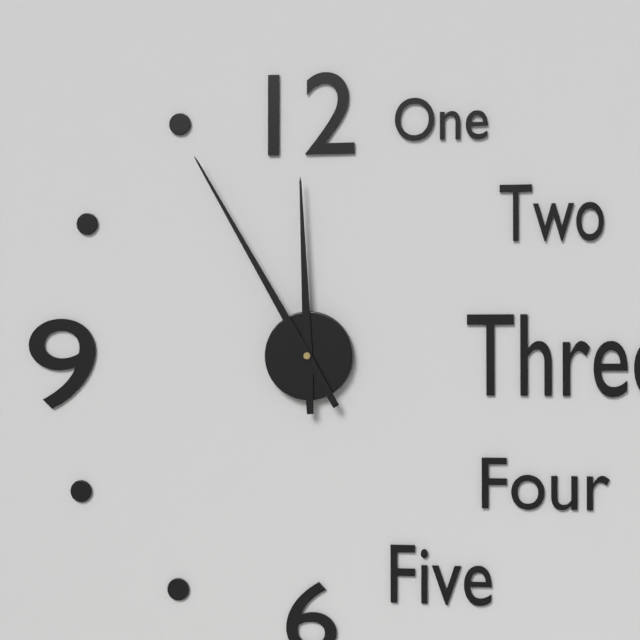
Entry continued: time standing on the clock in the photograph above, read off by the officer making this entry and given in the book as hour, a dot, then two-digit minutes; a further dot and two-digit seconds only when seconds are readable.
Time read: 11.55
